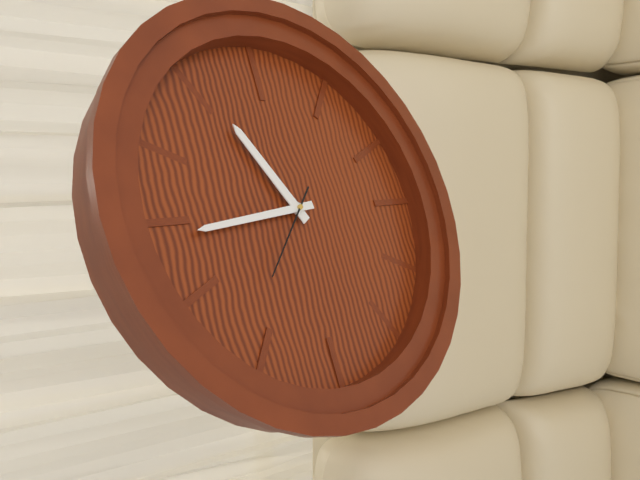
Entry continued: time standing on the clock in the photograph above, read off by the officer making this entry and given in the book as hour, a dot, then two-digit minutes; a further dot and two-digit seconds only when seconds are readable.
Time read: 1.59.52
